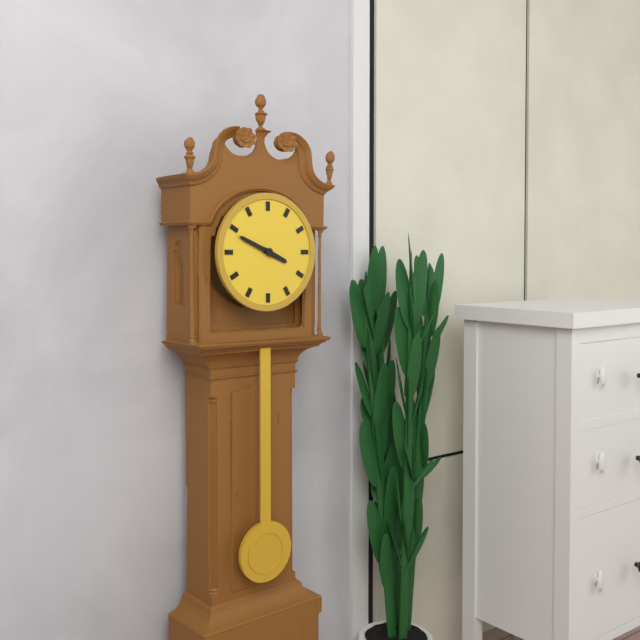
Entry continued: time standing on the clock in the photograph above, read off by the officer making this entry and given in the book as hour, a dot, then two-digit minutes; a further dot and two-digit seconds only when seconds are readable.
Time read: 3.49
